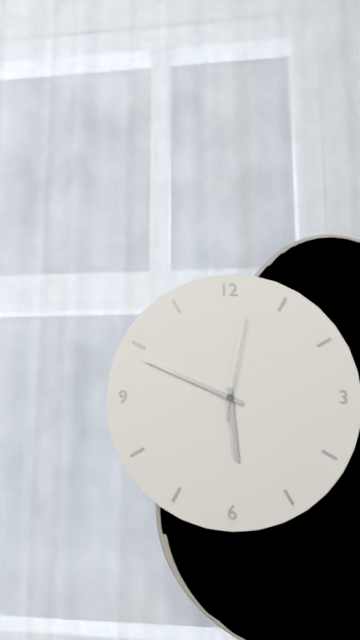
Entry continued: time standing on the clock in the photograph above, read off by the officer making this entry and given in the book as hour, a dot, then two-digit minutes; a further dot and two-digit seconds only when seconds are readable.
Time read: 5.49.02
